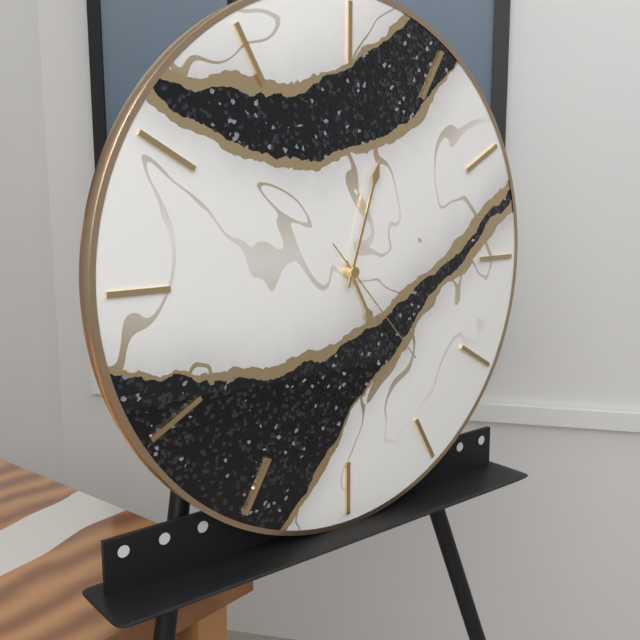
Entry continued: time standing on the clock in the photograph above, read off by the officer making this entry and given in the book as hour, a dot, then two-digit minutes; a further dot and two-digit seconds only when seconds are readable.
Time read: 5.03.23
